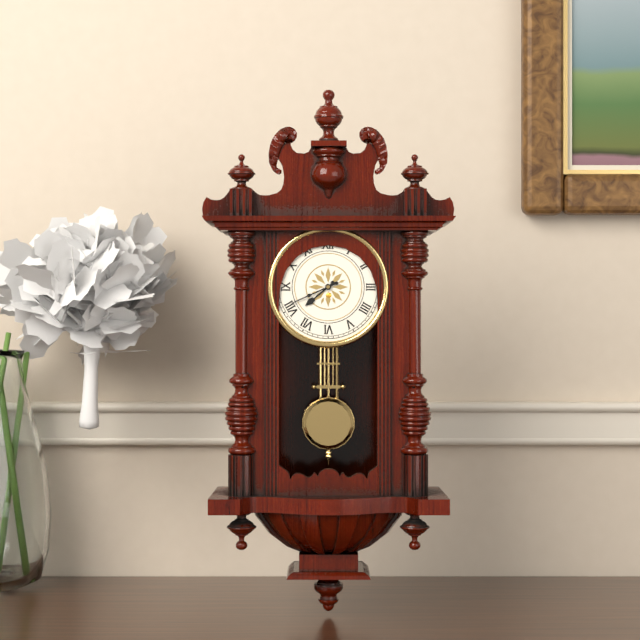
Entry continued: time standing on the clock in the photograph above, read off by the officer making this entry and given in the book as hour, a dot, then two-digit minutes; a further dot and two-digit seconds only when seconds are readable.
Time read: 7.41
